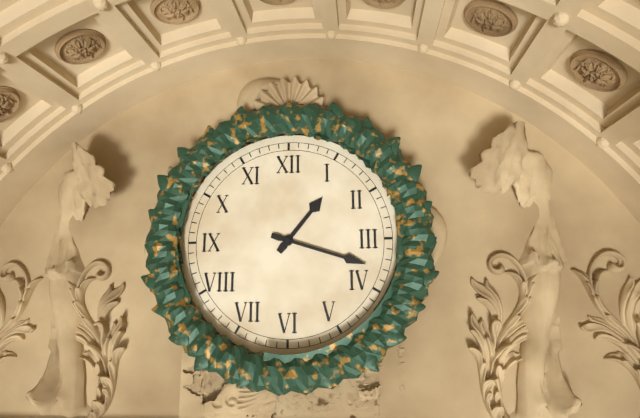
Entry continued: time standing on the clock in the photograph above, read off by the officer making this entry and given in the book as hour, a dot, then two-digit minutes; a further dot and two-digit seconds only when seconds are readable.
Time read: 1.18
